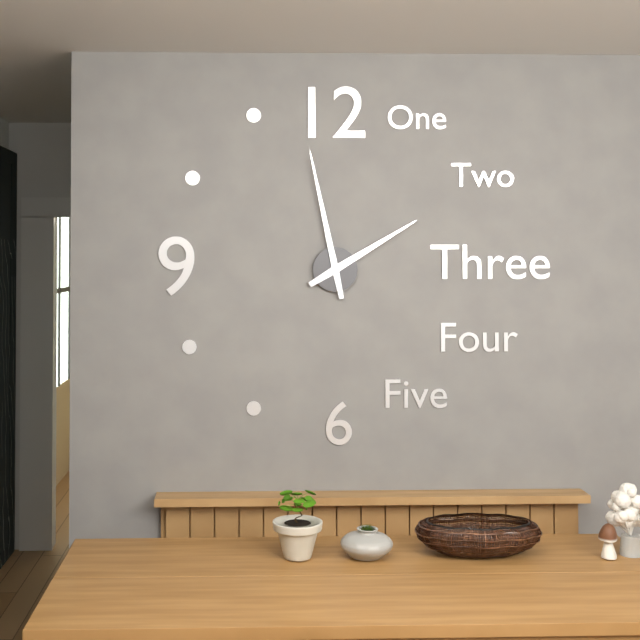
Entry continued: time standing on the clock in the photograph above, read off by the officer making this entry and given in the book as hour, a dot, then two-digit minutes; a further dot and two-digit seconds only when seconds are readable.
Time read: 1.58
